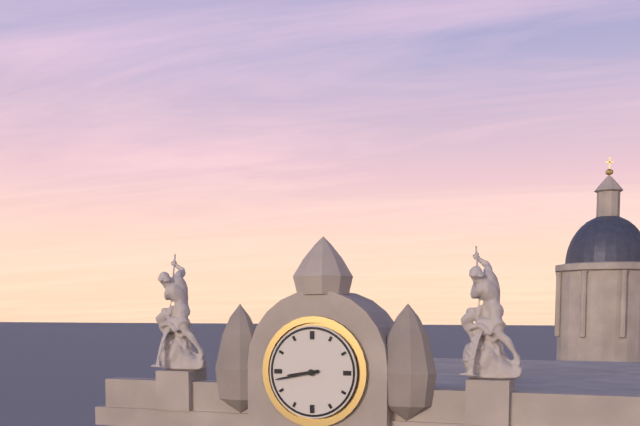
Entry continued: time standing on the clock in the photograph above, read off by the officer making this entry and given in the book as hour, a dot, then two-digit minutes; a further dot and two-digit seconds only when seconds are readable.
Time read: 8.43
